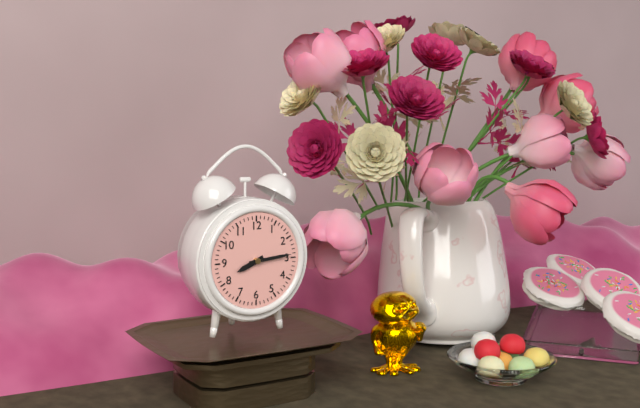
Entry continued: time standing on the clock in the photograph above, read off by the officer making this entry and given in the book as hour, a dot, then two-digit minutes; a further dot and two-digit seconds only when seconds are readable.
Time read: 8.14
